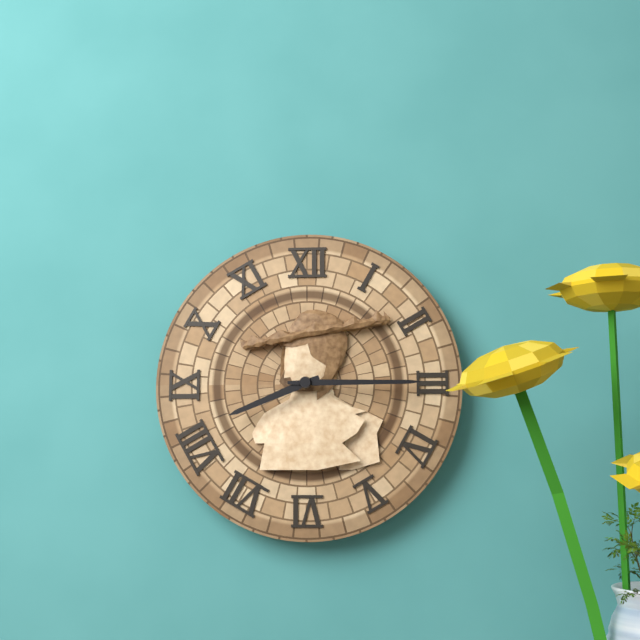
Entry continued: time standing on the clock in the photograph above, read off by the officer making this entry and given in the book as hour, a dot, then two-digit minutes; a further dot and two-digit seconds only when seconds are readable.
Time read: 8.15
